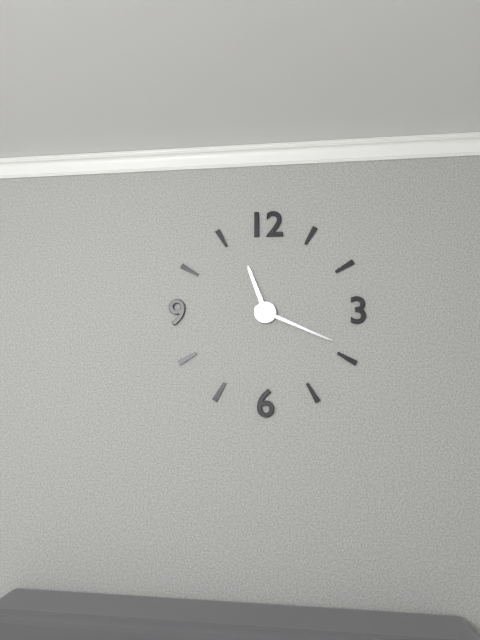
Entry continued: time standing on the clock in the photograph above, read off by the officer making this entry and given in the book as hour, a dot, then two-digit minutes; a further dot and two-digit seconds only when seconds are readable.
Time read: 11.19
